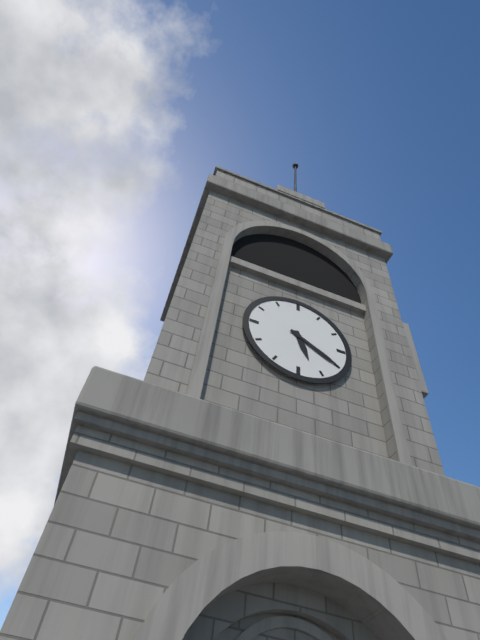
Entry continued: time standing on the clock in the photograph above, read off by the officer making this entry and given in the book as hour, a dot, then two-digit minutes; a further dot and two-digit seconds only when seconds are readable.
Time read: 5.20
